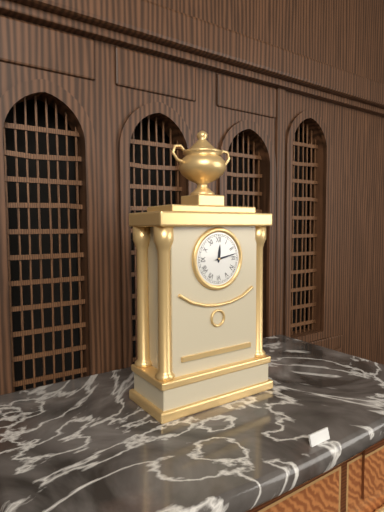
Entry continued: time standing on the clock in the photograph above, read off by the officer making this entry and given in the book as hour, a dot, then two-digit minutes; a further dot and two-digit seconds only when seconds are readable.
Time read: 12.13
